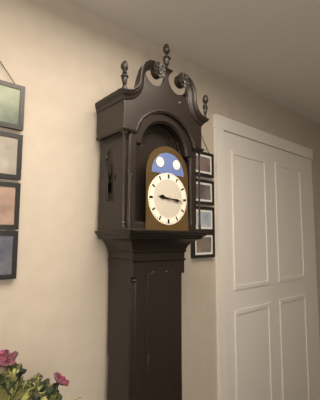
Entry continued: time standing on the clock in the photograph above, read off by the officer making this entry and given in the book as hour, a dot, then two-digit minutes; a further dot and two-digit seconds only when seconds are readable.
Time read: 9.16
